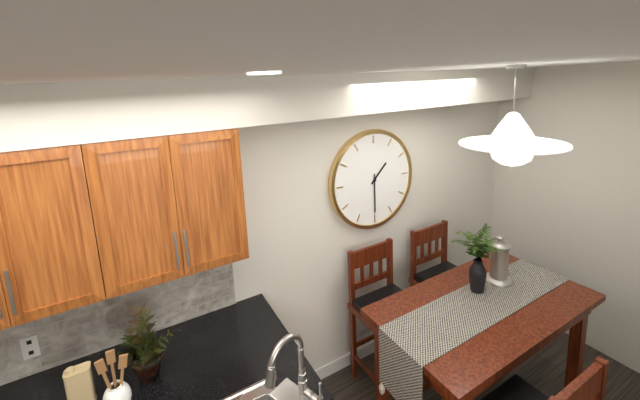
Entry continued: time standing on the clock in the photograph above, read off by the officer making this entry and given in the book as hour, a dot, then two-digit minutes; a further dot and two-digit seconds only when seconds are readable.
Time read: 1.30
